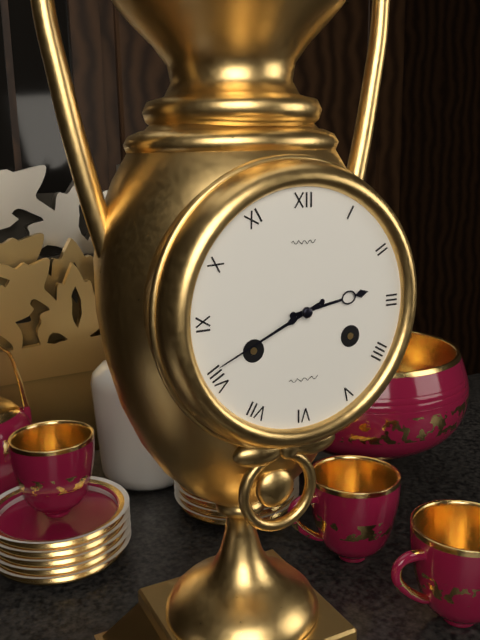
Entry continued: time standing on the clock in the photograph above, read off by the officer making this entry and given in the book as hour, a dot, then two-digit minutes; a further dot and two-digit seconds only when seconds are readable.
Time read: 2.41
